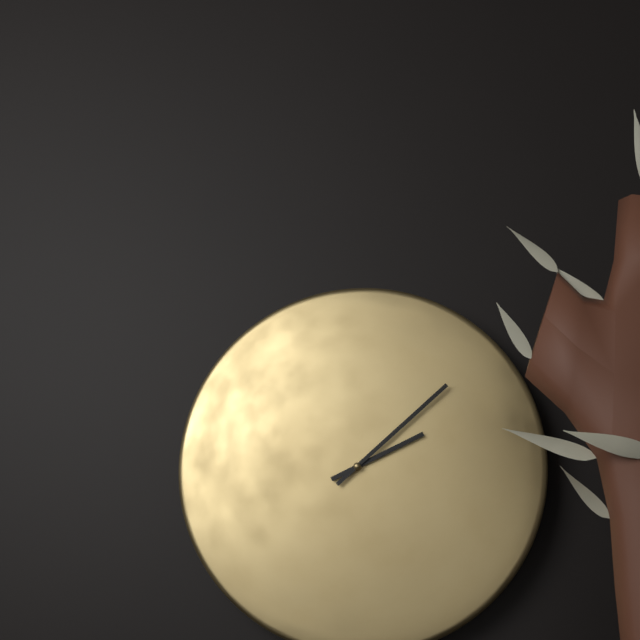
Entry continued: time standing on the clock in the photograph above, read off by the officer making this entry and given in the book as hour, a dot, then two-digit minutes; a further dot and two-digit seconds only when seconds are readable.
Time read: 2.08
